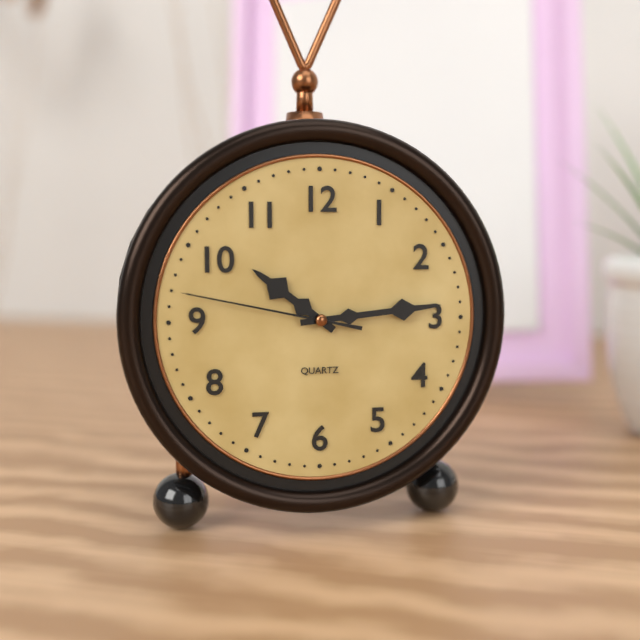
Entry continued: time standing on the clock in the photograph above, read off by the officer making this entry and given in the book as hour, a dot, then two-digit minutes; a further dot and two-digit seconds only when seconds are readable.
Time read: 10.14.47
